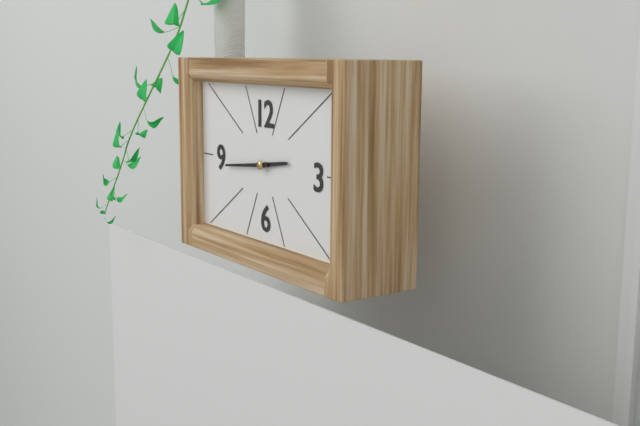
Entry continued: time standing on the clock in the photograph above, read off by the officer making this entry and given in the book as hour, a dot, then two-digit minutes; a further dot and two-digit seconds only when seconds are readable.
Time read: 2.44
